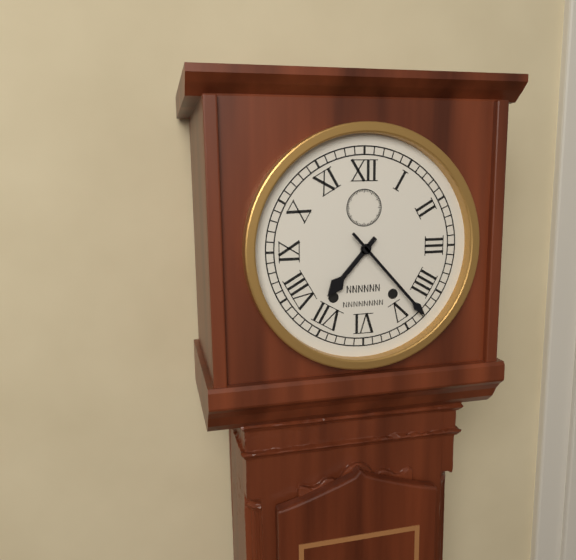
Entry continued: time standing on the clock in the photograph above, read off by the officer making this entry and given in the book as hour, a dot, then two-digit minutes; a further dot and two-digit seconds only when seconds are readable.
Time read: 7.23
